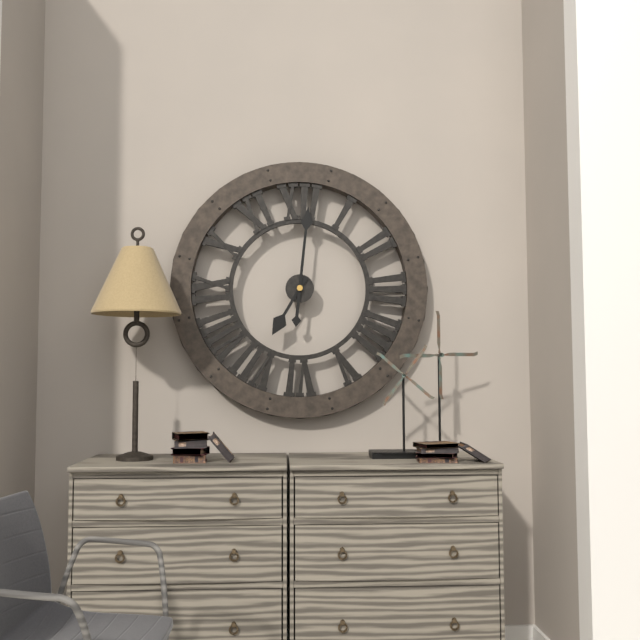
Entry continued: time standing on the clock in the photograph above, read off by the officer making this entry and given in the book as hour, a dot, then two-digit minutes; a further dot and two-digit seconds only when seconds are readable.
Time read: 7.01
